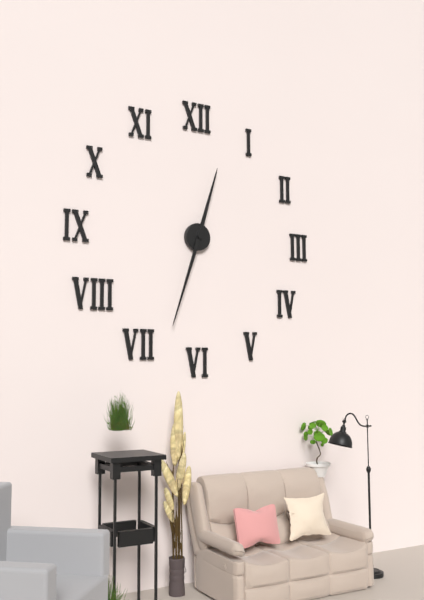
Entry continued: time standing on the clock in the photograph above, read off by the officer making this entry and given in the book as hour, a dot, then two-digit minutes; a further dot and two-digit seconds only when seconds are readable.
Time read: 12.33
